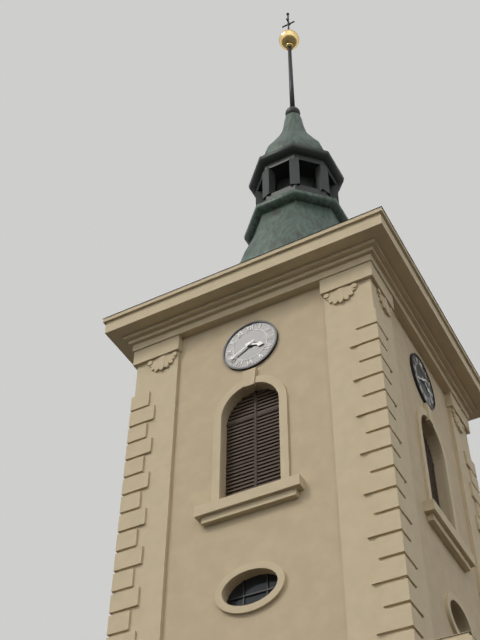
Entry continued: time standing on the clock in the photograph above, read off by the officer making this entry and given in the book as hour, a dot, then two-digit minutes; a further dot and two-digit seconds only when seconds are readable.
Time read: 3.40
